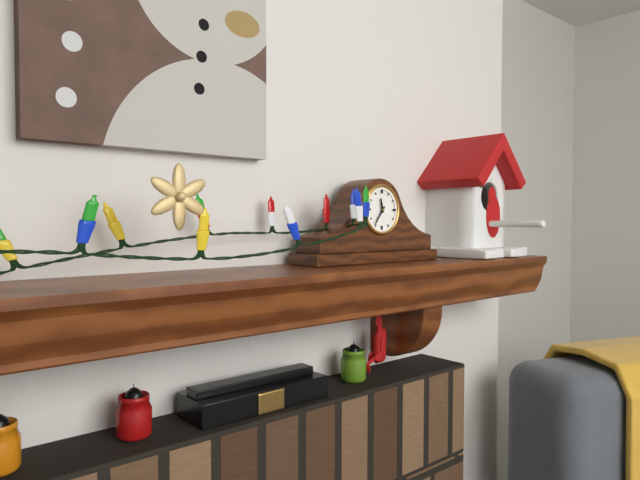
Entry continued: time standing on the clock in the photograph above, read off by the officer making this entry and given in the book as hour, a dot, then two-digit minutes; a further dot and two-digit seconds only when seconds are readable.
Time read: 11.36
